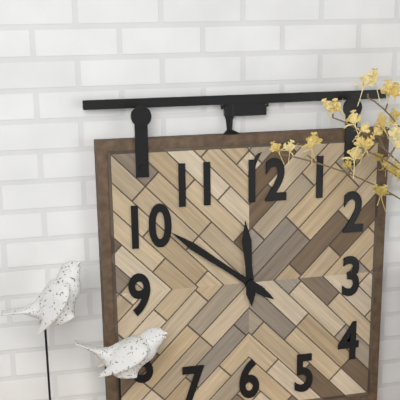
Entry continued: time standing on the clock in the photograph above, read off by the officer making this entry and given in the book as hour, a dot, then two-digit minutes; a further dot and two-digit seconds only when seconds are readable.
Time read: 11.51
